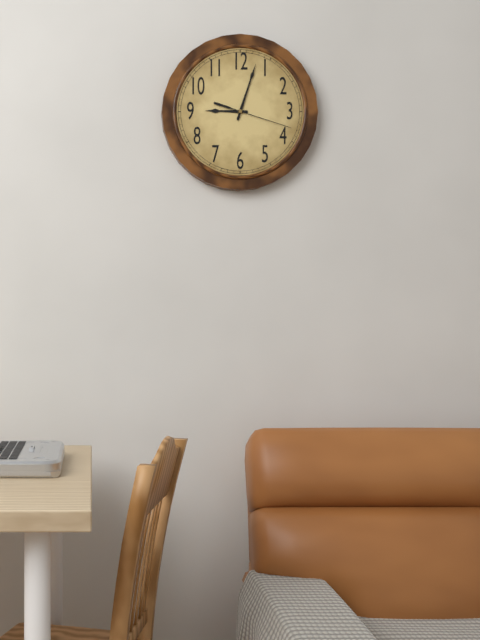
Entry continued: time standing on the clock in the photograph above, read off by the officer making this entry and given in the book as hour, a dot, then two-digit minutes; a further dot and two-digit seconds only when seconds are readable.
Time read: 9.03.18
